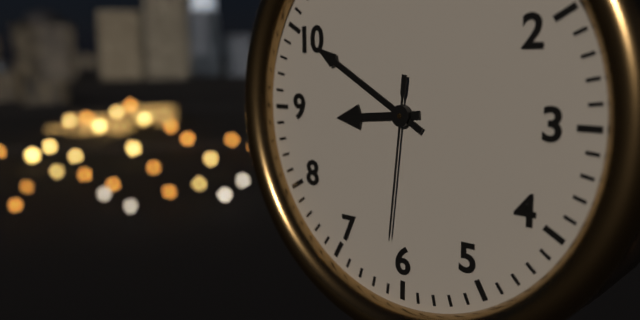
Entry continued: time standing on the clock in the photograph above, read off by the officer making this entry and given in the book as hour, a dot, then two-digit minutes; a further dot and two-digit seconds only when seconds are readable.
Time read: 8.50.31
